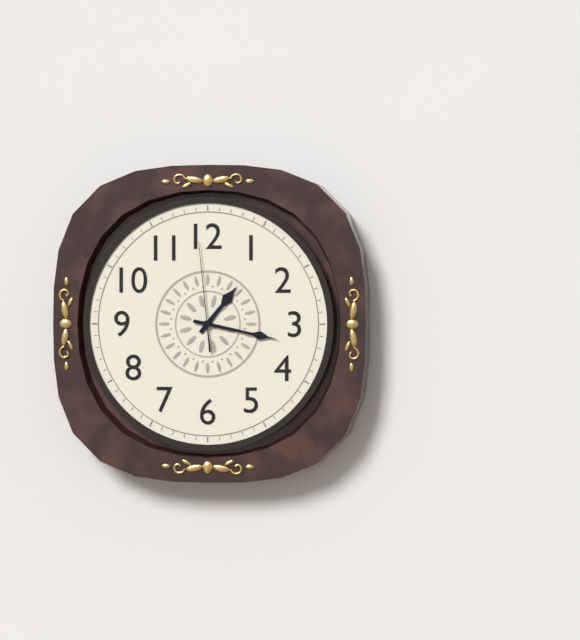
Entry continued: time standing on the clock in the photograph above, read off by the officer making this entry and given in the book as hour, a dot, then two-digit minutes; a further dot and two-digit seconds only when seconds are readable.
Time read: 1.17.59
